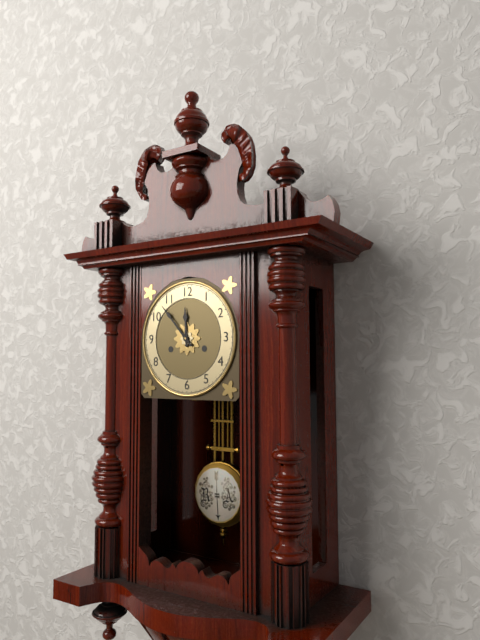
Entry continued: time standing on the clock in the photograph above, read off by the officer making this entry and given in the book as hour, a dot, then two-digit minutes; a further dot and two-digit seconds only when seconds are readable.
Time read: 11.53
